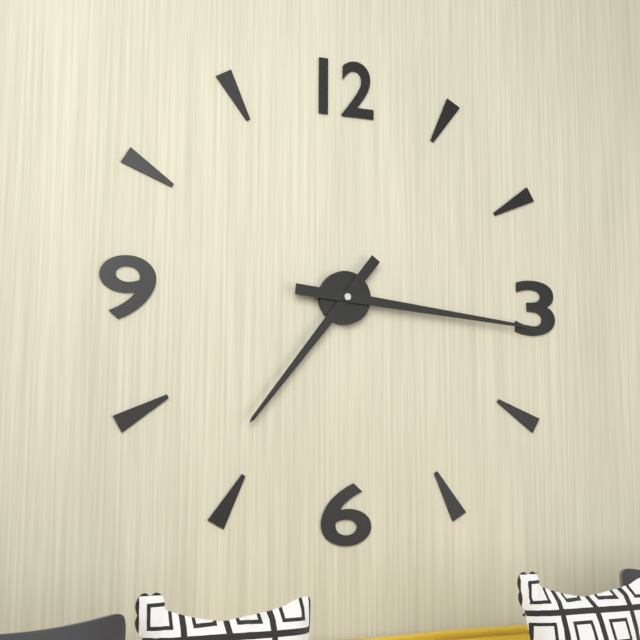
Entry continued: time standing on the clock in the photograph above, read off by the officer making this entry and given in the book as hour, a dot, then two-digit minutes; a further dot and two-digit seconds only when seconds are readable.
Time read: 7.16
